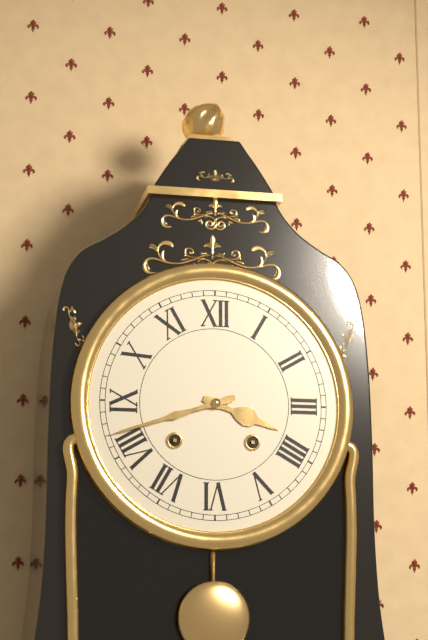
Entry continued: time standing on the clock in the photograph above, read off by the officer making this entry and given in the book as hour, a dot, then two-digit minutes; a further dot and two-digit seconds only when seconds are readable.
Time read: 3.42
